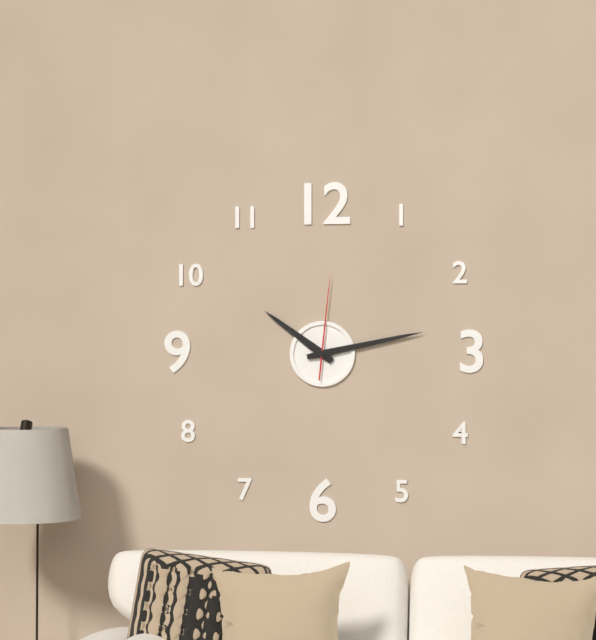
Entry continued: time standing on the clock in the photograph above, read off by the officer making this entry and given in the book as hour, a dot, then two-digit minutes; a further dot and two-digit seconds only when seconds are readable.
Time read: 10.13.01
